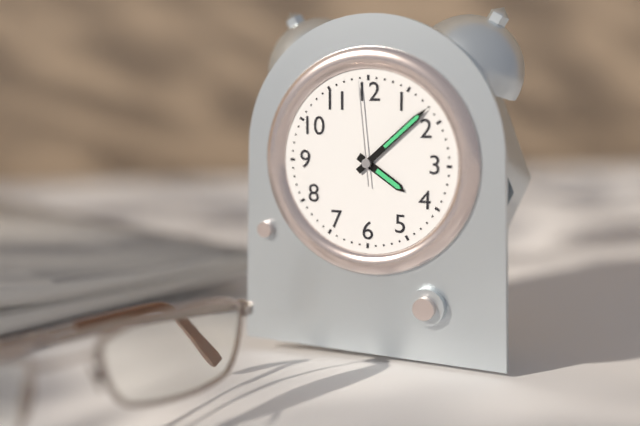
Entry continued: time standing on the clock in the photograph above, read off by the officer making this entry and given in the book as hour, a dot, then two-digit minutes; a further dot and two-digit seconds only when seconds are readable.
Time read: 4.08.59
